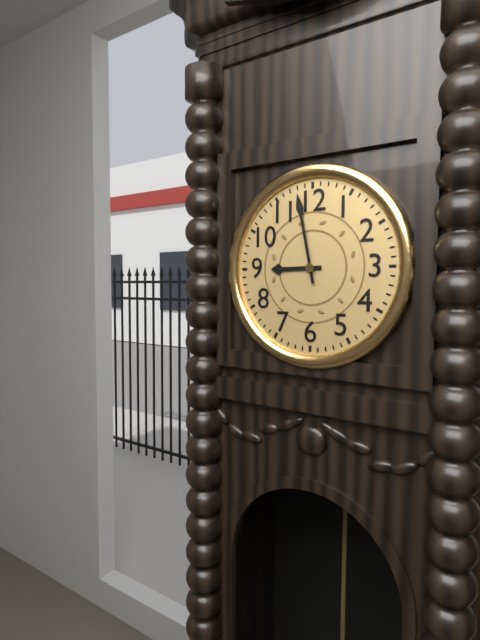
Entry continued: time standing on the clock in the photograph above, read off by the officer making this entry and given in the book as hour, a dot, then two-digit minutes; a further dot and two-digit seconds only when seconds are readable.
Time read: 8.58
